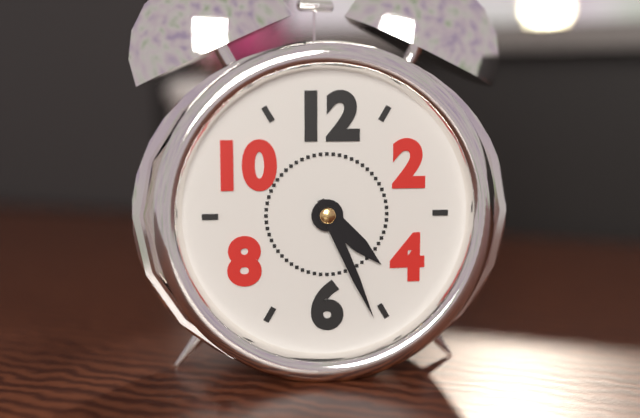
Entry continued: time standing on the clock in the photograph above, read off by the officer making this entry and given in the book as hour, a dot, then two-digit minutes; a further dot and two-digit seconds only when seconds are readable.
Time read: 4.26
